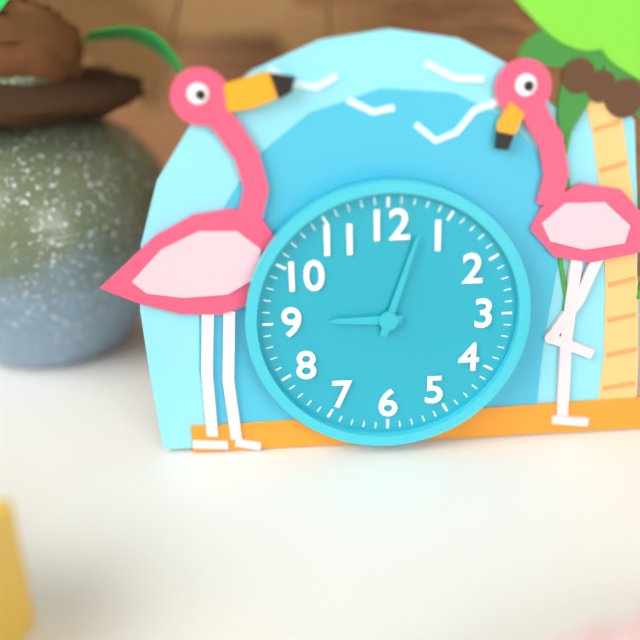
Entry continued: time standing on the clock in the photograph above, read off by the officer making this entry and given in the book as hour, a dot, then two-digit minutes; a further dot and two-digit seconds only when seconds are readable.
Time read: 9.03
